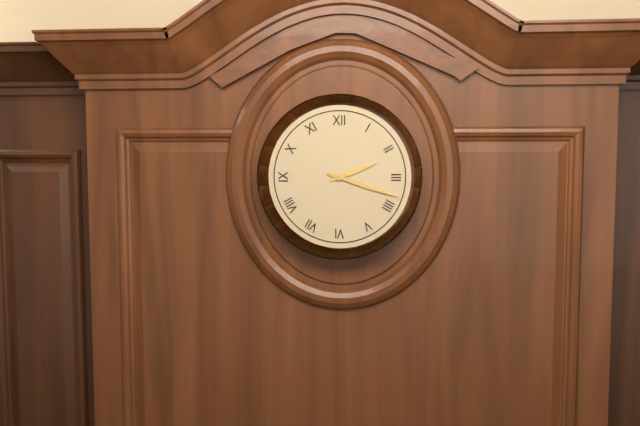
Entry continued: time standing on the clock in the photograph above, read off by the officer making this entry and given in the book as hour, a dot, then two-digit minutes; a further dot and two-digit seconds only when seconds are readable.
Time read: 2.18
